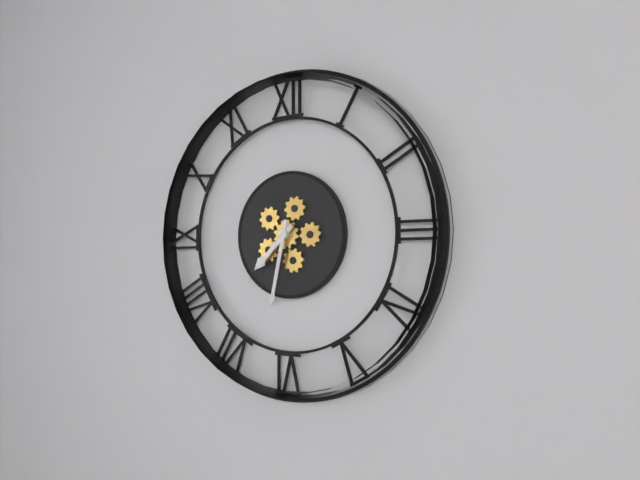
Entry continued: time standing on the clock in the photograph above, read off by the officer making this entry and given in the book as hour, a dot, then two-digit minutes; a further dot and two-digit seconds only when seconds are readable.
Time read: 7.32
